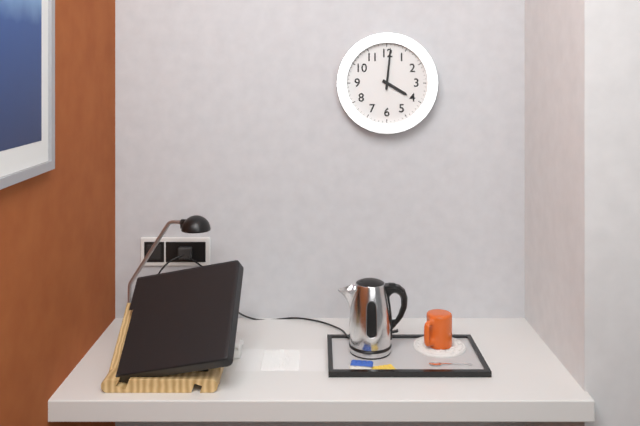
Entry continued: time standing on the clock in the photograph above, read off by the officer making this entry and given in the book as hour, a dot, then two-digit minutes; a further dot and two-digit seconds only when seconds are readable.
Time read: 4.01
